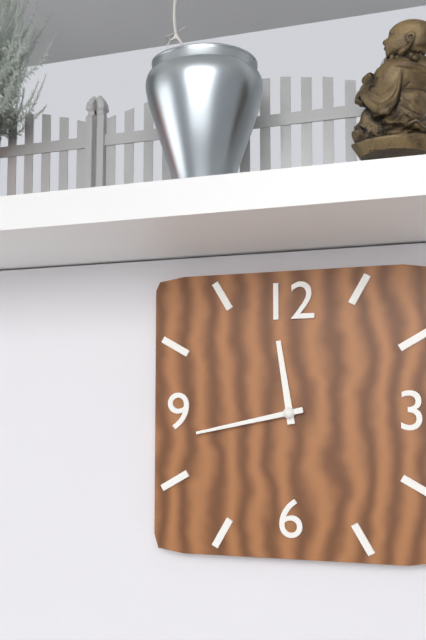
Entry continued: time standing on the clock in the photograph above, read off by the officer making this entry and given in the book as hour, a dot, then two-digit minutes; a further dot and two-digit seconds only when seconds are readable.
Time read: 11.43
